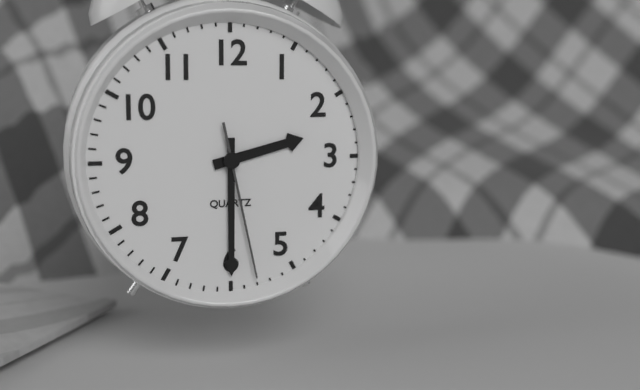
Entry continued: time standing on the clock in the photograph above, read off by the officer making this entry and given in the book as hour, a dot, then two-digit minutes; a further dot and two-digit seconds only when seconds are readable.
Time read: 2.30.28
